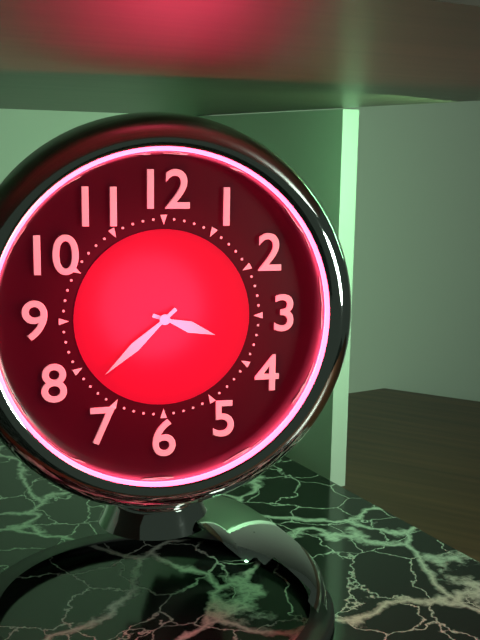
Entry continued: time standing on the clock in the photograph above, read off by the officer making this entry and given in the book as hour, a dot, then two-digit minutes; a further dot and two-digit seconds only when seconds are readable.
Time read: 3.38
